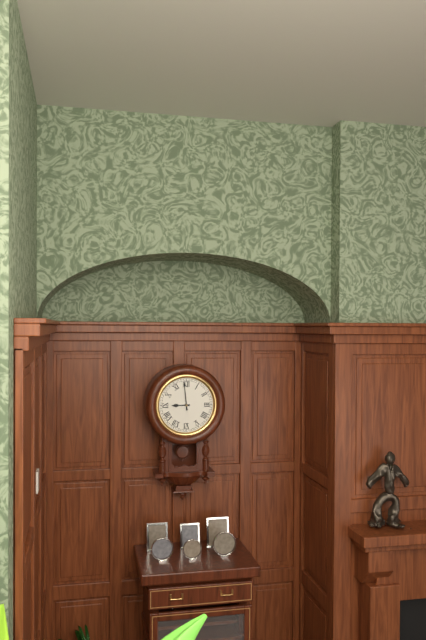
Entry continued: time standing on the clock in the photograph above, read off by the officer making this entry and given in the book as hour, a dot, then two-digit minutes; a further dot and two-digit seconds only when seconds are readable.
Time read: 8.59
